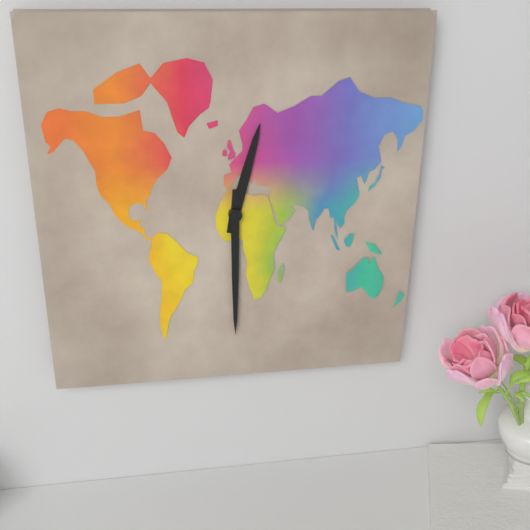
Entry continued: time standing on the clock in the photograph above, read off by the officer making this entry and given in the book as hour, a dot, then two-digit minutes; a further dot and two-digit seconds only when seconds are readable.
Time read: 12.30
